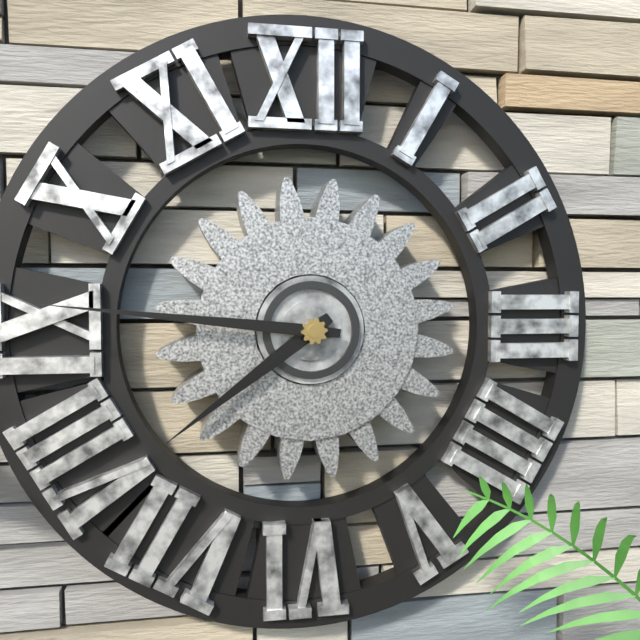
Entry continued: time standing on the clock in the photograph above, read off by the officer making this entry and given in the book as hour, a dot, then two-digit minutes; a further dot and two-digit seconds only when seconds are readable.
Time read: 7.46
